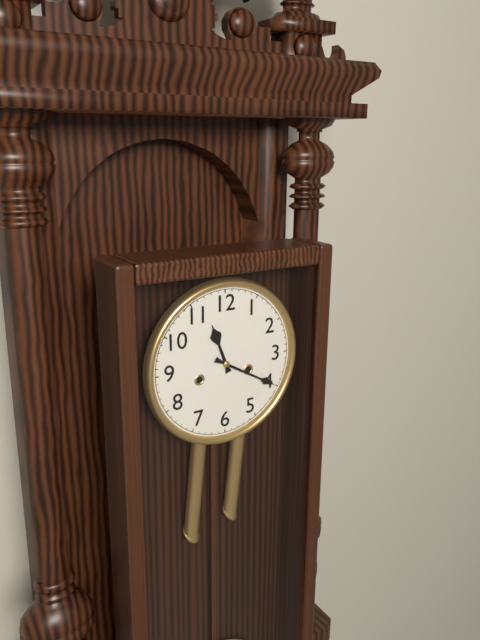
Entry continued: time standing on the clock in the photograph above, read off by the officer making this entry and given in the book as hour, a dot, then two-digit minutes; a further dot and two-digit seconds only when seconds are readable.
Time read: 11.20
